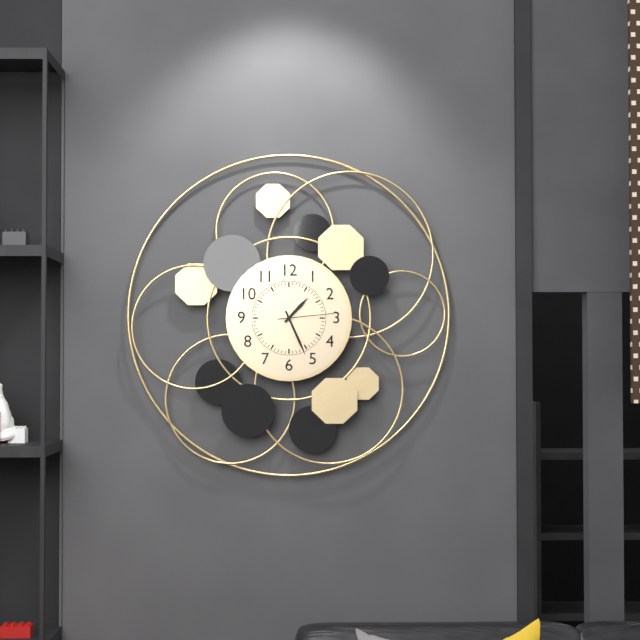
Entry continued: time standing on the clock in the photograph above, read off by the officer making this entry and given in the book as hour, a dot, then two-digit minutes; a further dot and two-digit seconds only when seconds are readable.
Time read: 1.26.14
